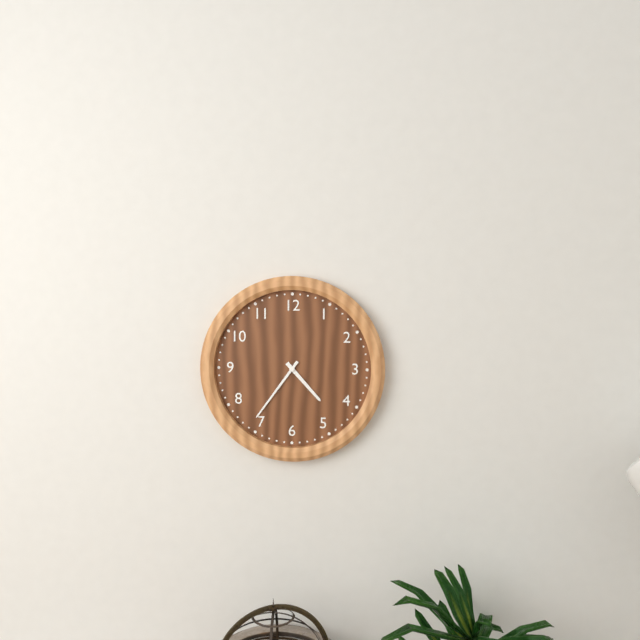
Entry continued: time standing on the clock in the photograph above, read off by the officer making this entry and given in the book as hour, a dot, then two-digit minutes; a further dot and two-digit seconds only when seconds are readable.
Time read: 4.36
